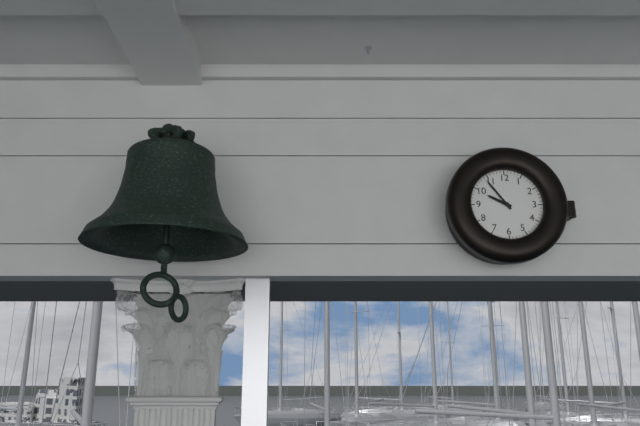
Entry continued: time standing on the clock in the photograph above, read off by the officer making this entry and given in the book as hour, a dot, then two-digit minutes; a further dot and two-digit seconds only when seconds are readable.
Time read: 9.54
